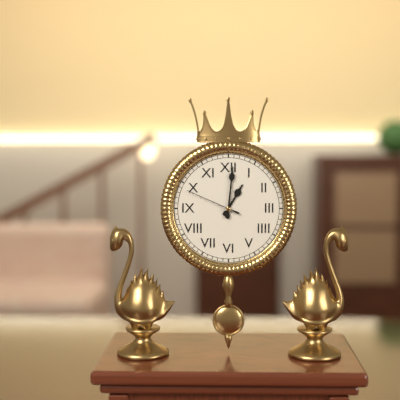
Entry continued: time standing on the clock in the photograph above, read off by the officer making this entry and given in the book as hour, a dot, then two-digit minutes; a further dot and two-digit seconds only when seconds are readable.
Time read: 1.01.49
